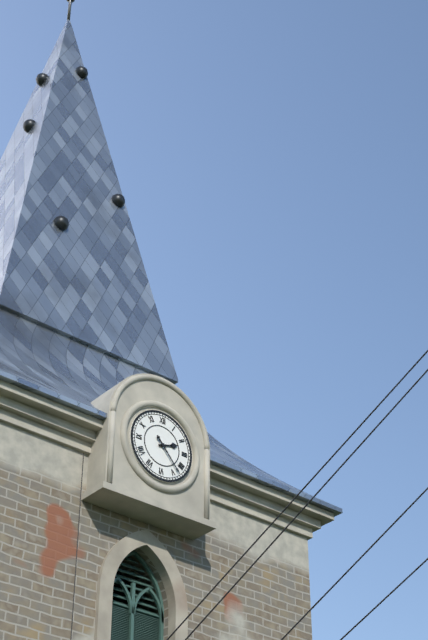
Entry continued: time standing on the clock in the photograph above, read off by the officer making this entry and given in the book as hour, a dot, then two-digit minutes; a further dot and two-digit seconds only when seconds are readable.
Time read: 2.23
